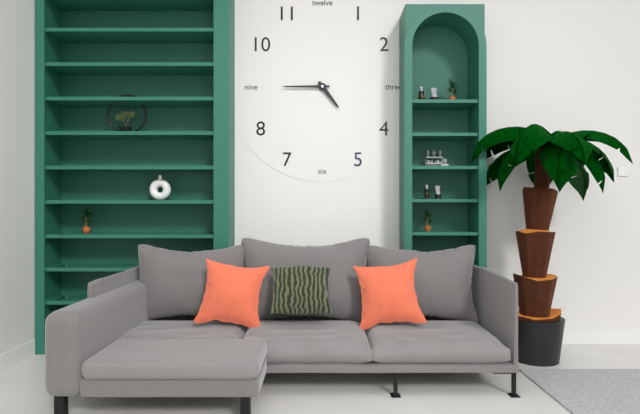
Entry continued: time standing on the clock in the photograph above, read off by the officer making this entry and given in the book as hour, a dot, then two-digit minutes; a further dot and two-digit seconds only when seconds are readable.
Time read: 4.45
